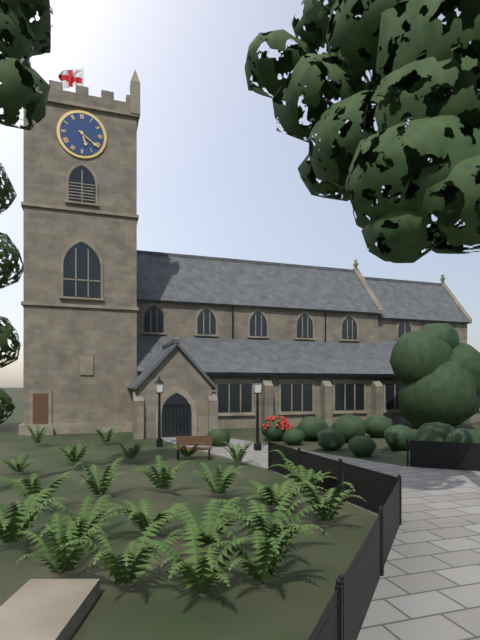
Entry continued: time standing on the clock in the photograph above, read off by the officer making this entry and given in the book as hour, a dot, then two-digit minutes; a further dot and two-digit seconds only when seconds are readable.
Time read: 5.21
